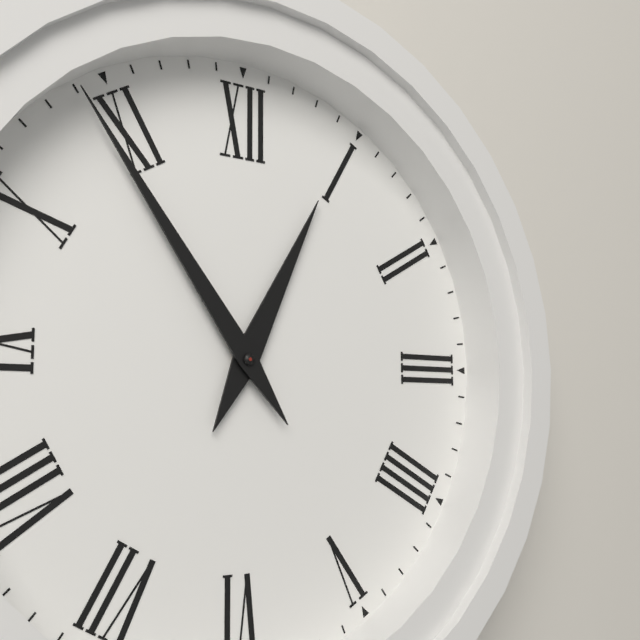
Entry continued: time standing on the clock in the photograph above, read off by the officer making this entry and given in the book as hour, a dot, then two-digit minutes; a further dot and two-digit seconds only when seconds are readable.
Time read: 12.54
